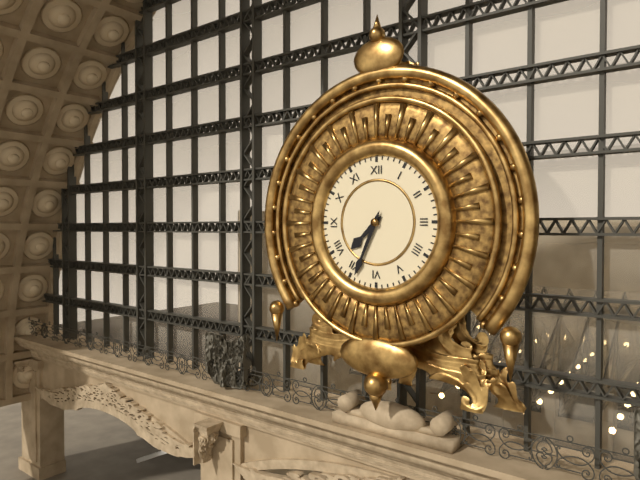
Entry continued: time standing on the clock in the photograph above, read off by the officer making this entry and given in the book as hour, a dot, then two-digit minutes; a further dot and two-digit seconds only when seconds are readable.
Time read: 7.34
